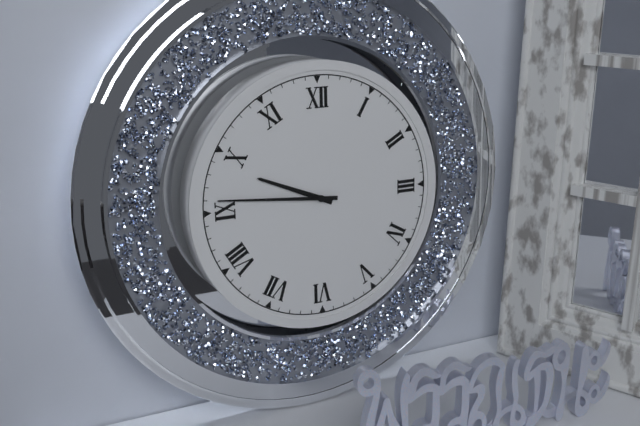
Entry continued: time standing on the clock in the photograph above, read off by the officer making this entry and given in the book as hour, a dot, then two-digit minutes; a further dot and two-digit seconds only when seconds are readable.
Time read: 9.46
